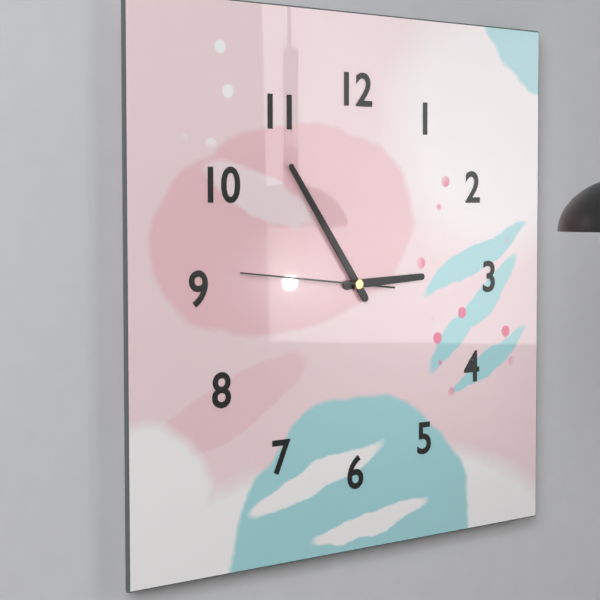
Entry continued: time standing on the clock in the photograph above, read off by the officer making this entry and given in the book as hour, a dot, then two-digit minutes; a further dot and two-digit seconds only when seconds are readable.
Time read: 2.54.46
